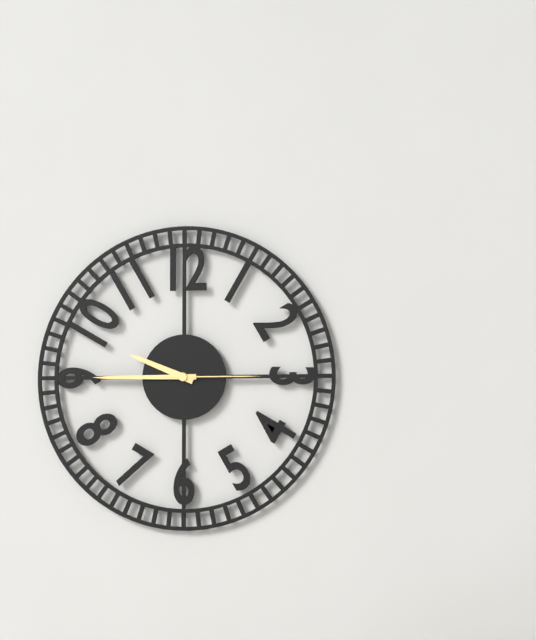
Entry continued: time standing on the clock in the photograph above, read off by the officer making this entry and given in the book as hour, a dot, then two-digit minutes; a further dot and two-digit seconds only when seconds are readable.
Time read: 9.45.15
